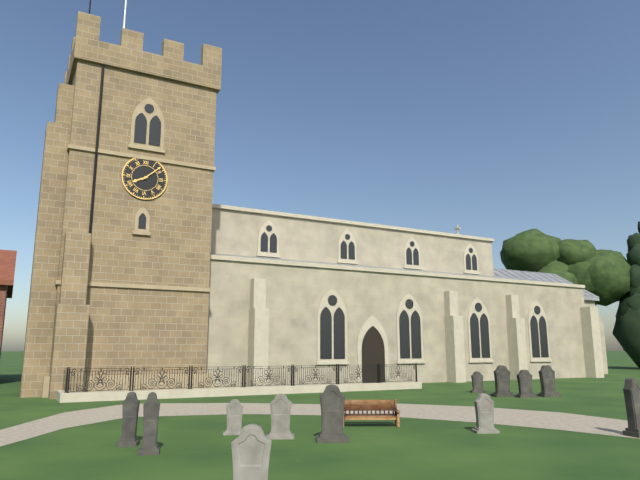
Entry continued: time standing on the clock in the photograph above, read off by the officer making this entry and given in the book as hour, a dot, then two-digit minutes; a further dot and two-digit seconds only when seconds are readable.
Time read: 8.08
